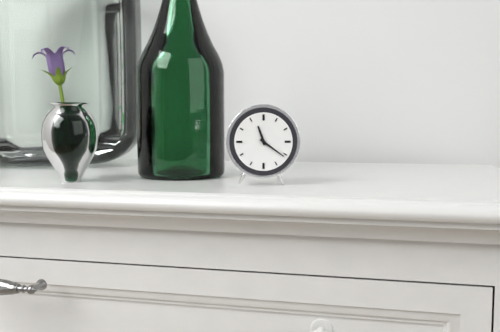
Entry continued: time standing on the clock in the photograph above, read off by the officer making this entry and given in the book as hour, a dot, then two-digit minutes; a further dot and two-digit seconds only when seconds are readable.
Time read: 11.21
